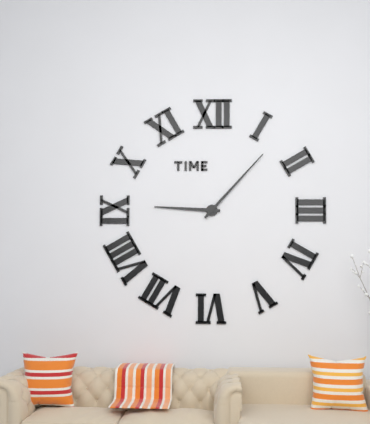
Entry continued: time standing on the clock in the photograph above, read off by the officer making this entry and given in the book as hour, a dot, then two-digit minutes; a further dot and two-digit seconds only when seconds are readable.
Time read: 9.07
